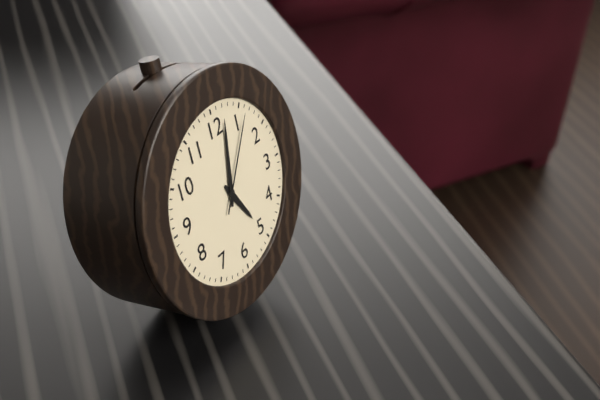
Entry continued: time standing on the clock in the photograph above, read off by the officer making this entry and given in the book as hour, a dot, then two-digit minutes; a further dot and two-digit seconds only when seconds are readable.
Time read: 5.02.06
